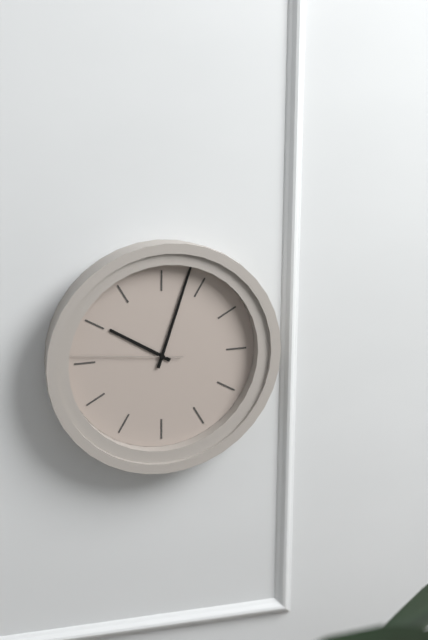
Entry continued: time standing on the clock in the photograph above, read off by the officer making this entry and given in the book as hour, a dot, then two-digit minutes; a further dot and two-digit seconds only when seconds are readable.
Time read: 10.03.46
